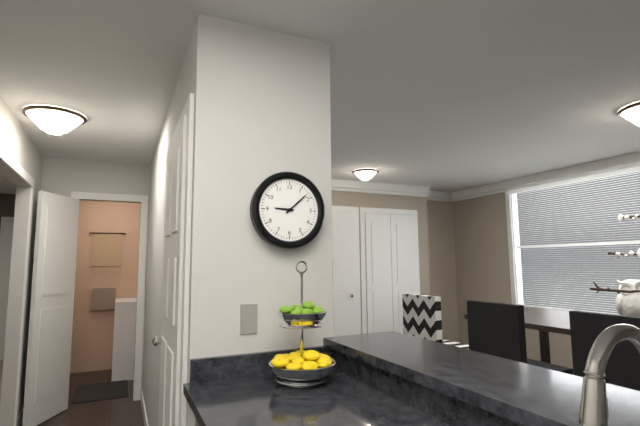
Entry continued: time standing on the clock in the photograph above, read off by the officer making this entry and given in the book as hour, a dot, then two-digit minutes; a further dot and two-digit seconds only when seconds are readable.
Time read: 9.08
